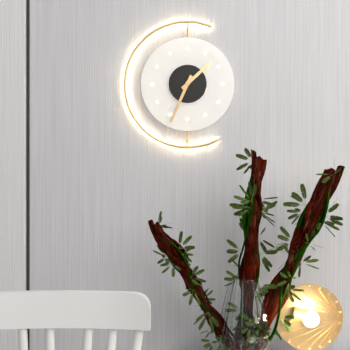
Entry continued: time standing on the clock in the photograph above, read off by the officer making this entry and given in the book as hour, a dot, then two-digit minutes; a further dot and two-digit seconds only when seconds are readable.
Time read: 1.34
